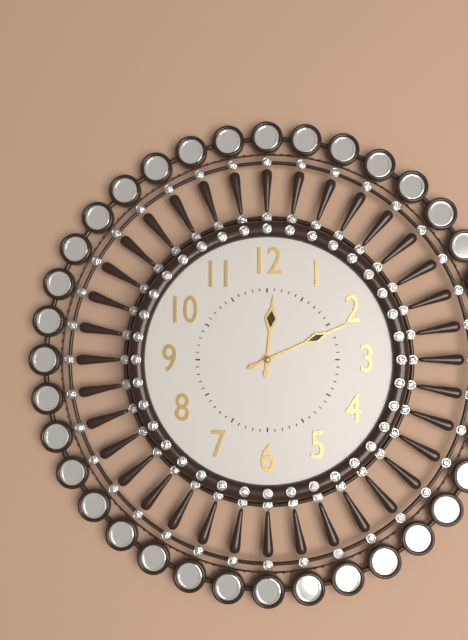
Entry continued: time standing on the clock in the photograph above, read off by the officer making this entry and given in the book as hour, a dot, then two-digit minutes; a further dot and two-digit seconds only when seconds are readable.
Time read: 12.11
